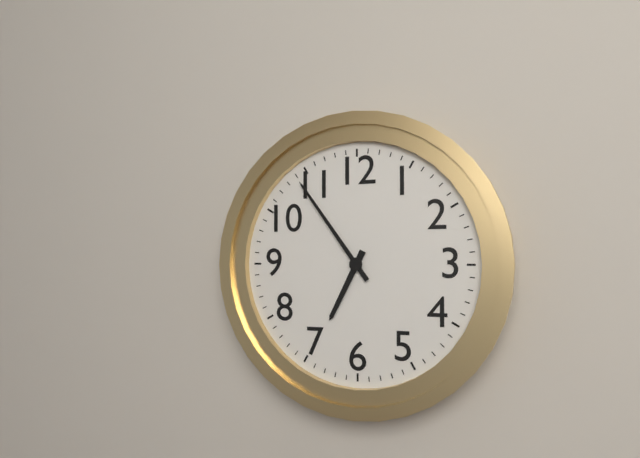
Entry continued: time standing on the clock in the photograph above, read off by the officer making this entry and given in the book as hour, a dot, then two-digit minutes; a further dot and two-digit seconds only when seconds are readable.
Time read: 6.54
